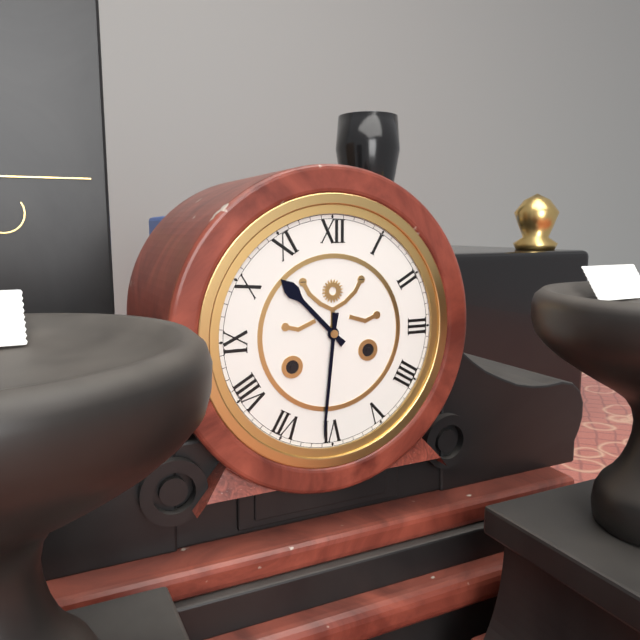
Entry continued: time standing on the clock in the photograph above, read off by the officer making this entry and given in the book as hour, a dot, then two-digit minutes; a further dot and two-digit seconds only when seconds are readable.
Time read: 10.31
